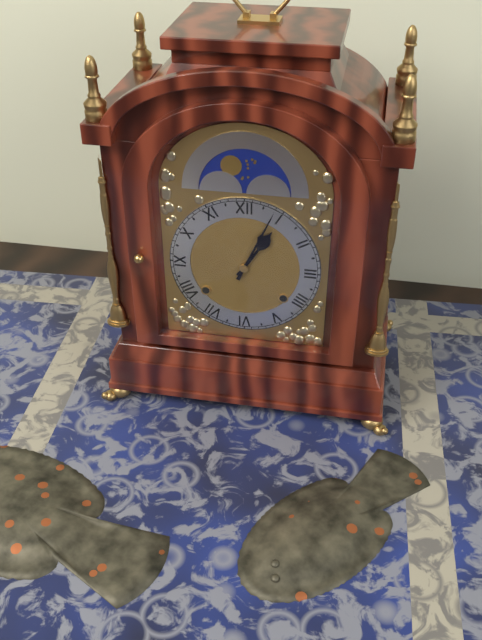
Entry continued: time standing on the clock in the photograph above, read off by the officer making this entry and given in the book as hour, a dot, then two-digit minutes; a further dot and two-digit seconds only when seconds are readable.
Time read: 1.04
